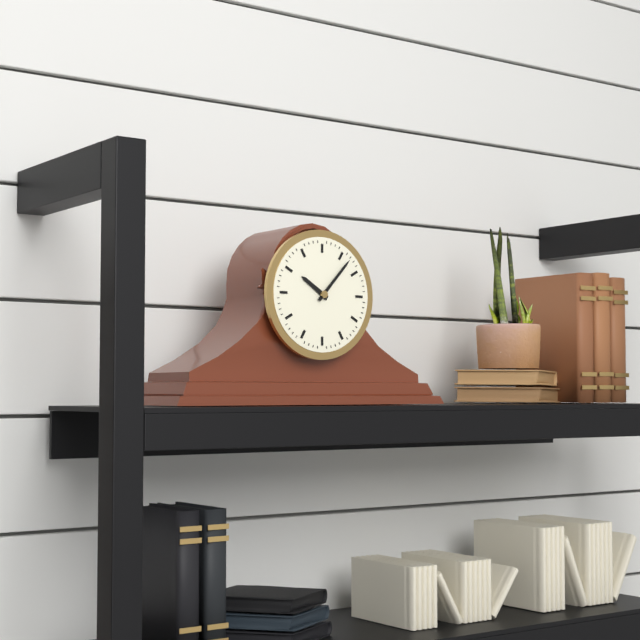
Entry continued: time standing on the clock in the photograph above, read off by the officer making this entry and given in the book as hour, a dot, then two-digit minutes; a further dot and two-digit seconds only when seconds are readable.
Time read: 10.07
